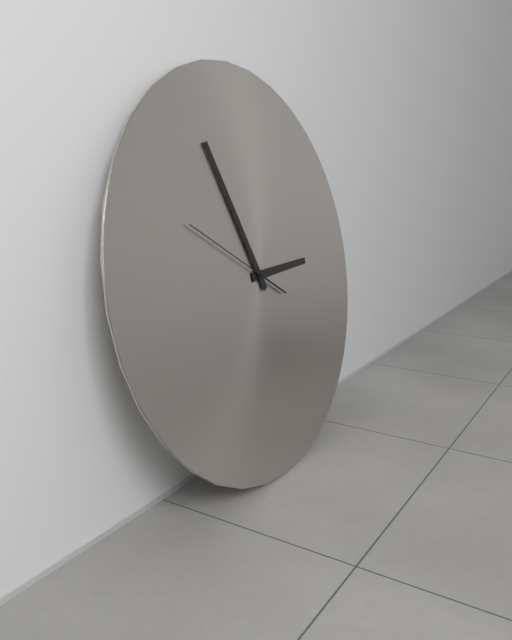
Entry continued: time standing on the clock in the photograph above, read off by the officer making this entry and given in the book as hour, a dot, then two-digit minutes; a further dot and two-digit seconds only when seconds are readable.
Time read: 2.56.50
